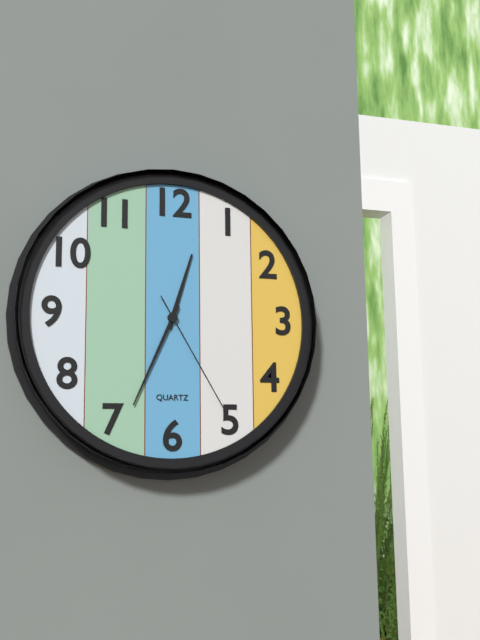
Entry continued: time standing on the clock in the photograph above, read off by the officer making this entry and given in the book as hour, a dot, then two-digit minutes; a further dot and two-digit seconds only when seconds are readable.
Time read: 12.34.25
